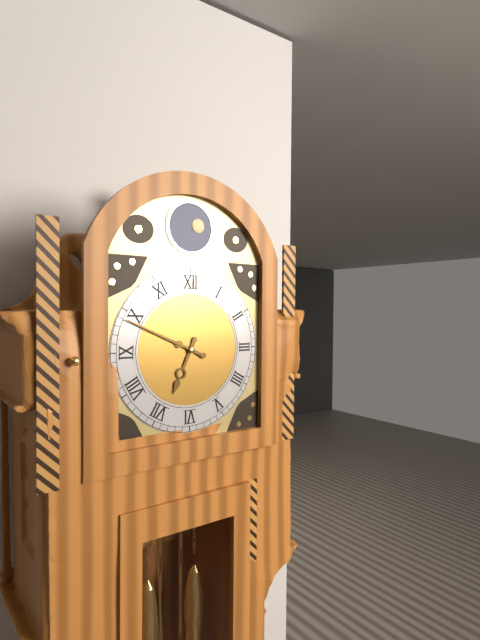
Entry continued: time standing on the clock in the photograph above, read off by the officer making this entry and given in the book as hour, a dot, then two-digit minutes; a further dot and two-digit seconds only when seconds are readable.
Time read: 6.49
